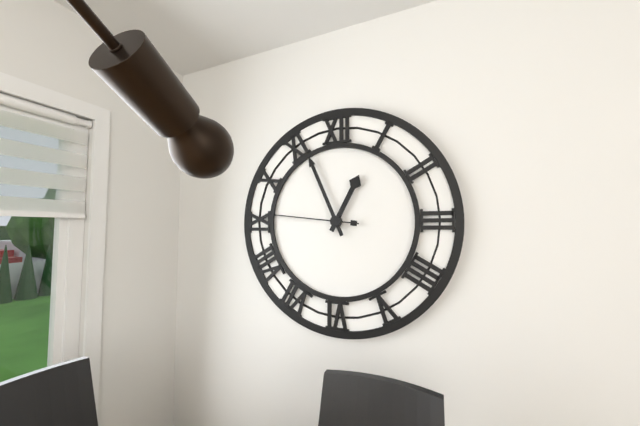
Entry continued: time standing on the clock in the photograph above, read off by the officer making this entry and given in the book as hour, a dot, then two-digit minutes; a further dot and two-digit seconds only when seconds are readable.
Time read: 12.56.46
